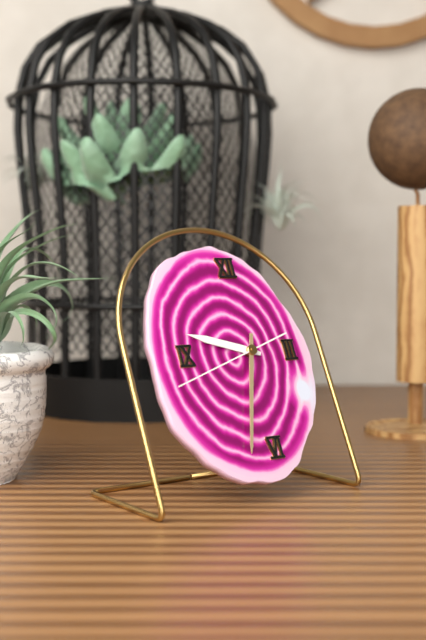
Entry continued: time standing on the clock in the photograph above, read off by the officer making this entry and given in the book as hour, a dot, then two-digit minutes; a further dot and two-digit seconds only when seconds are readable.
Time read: 9.33.42
